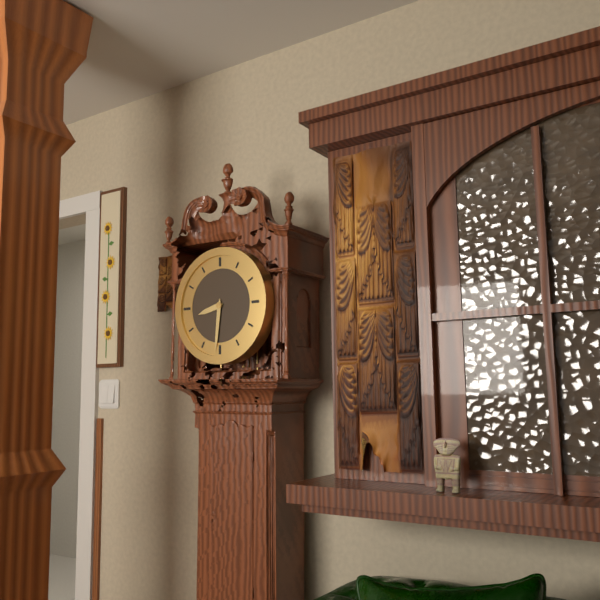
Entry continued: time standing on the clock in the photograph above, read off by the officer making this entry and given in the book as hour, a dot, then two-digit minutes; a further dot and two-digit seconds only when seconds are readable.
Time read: 8.31
